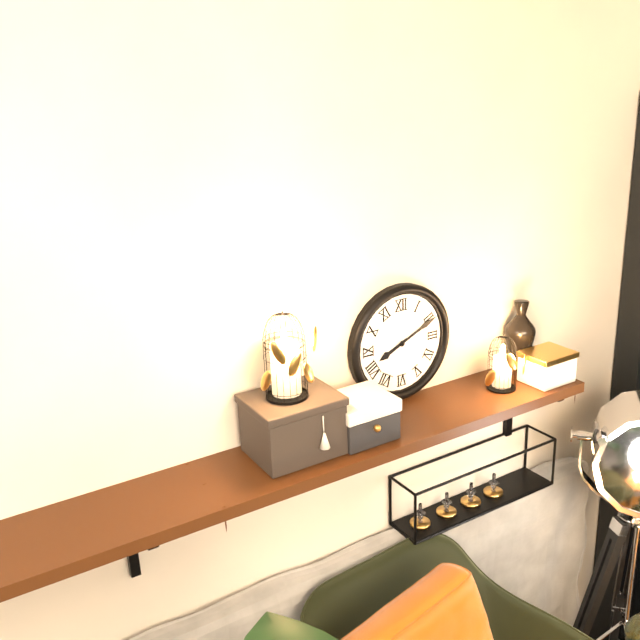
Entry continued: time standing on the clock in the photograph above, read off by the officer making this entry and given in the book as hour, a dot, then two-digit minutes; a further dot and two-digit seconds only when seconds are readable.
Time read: 8.11
